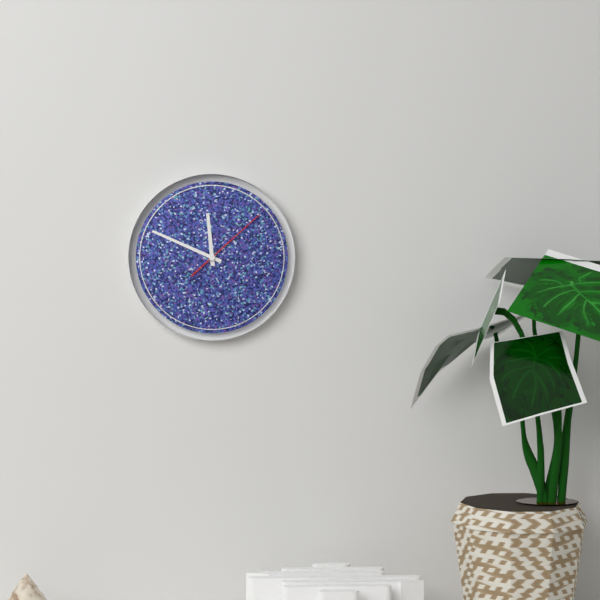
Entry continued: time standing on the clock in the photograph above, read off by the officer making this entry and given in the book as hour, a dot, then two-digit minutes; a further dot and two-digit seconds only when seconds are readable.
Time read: 11.49.08
